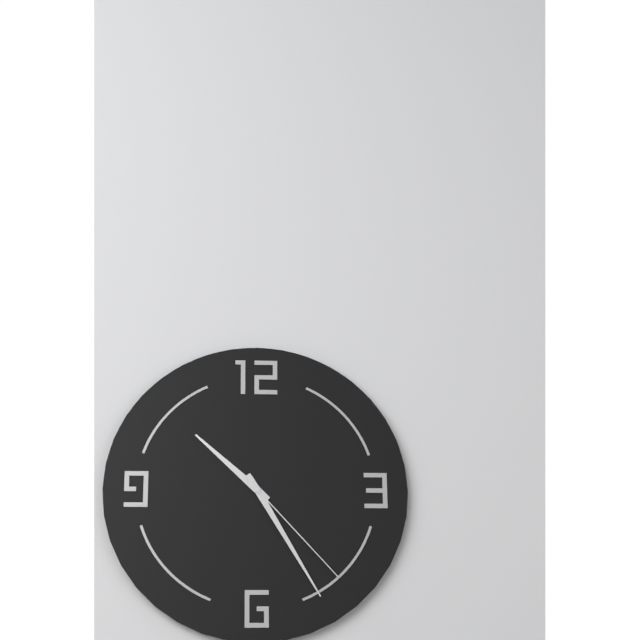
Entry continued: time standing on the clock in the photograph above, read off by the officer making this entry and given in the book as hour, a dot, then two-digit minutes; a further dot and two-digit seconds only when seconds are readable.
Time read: 10.25.23
